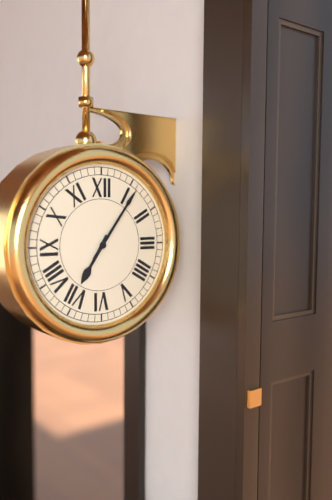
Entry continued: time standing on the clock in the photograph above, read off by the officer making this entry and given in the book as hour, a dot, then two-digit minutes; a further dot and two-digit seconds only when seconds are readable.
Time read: 7.06
